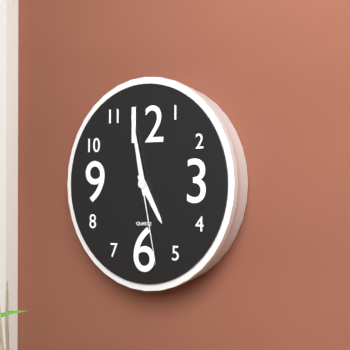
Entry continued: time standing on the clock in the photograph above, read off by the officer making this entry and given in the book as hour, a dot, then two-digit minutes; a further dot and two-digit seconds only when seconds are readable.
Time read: 4.58.28
